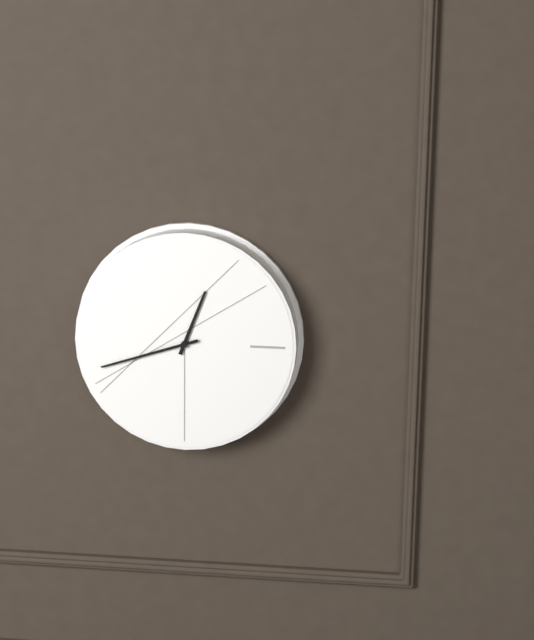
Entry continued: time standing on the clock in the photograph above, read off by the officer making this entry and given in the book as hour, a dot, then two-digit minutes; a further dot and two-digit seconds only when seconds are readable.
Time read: 12.42
